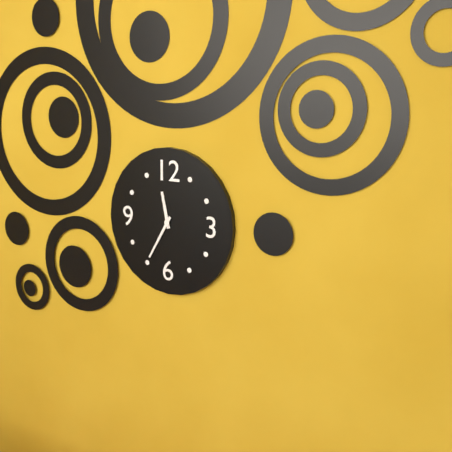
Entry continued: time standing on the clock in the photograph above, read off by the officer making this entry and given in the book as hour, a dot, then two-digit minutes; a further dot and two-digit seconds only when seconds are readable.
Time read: 11.35
